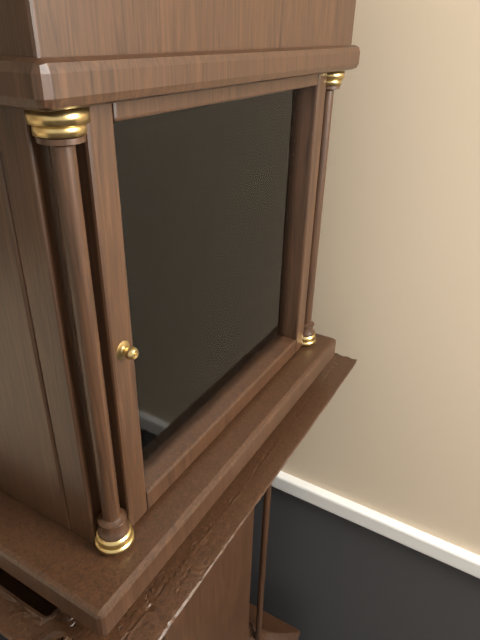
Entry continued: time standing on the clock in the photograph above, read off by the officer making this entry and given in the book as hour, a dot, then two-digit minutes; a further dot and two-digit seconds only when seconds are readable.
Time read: 6.41
